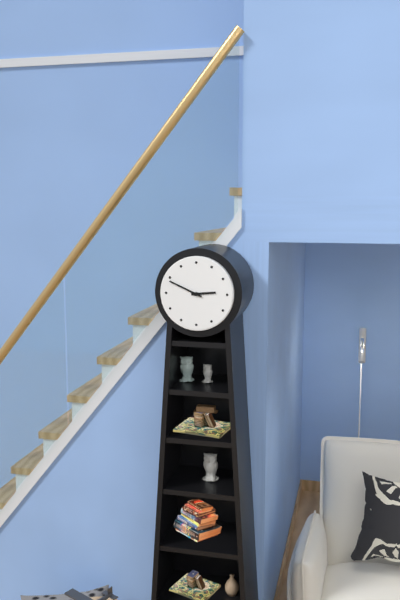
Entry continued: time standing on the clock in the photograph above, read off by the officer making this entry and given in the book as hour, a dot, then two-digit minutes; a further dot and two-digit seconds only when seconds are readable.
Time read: 2.49
